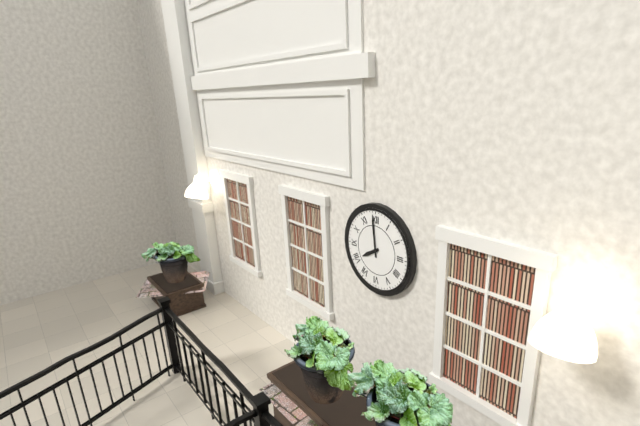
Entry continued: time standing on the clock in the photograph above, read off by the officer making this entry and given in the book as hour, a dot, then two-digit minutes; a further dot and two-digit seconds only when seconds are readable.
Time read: 7.59
